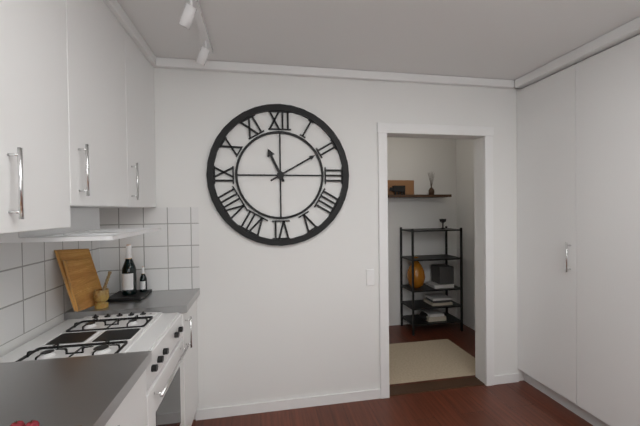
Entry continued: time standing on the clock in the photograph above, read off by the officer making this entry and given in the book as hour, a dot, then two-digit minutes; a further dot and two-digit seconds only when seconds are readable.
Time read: 11.10
